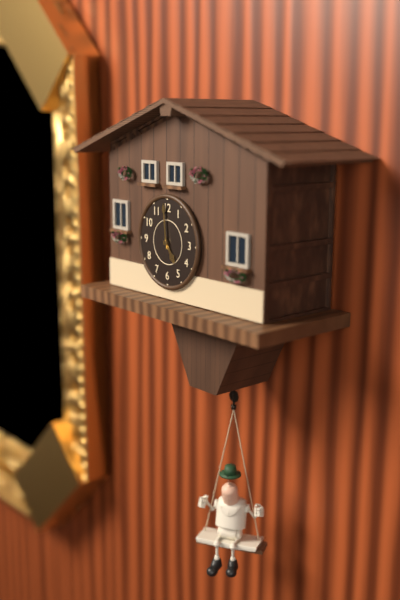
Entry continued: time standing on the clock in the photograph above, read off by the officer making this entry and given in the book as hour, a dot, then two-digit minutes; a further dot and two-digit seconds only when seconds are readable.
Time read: 4.59
